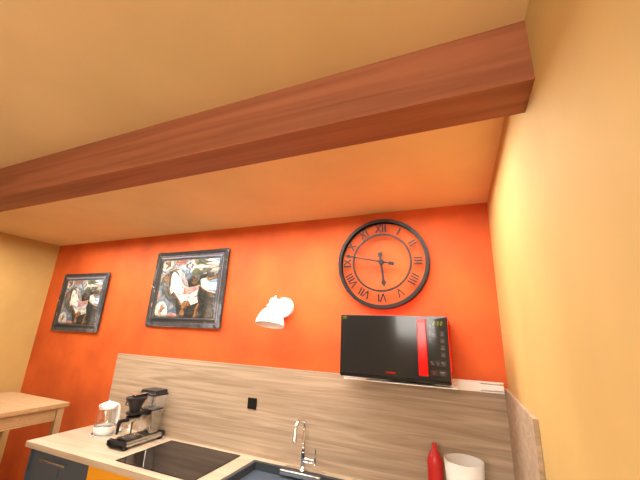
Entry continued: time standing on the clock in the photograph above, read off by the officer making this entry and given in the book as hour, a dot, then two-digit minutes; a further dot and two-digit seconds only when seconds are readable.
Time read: 5.47
